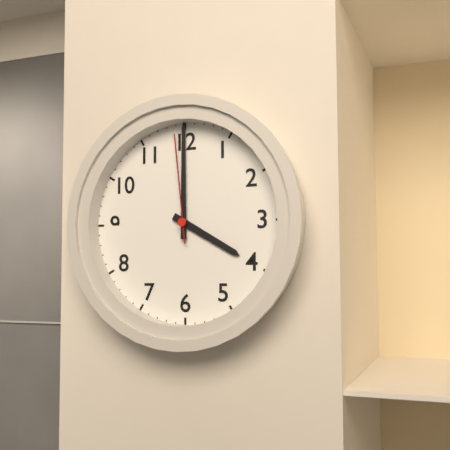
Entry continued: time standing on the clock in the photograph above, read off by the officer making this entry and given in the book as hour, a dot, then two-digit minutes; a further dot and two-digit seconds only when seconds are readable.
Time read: 4.00.59
